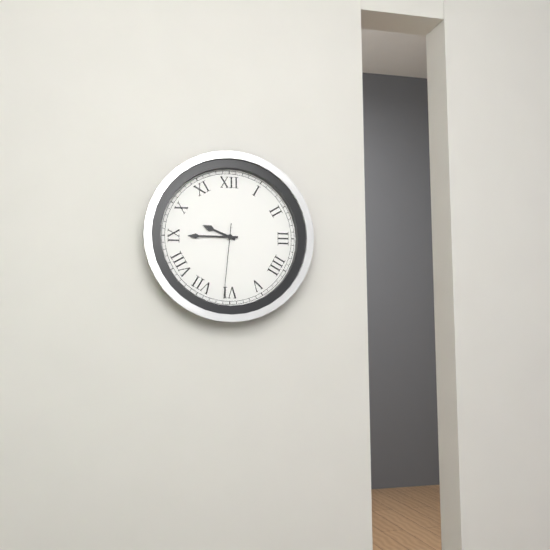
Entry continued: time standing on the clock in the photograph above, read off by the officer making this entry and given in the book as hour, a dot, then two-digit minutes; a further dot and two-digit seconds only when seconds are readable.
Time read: 9.45.31
